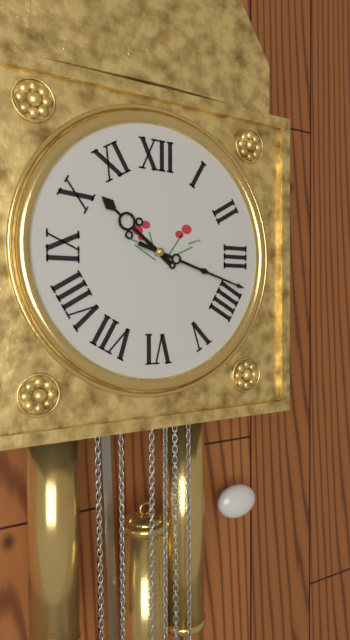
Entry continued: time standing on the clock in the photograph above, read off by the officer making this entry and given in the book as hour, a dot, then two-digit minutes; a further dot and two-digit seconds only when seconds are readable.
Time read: 10.18
